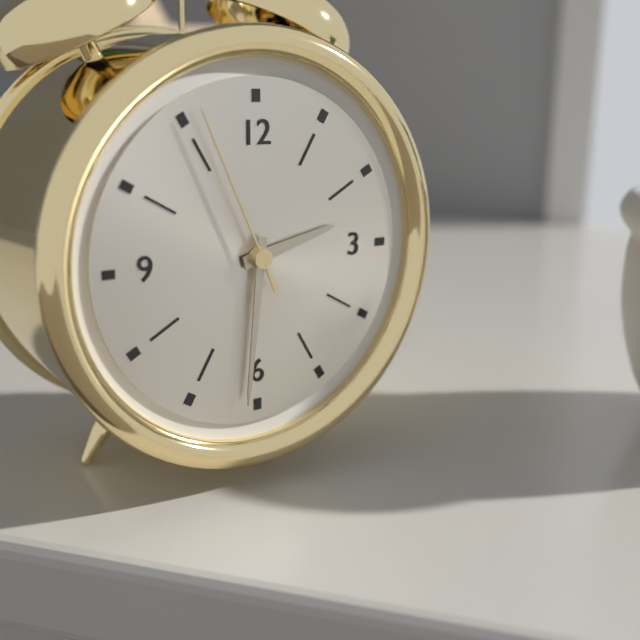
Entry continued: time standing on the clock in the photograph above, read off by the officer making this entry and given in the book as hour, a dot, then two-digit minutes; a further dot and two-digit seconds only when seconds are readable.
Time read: 2.31.56
